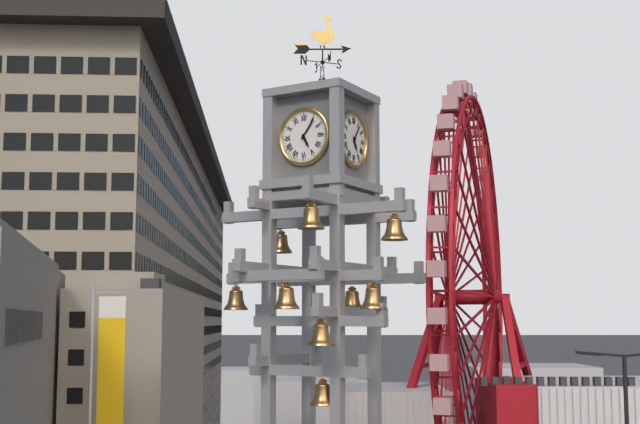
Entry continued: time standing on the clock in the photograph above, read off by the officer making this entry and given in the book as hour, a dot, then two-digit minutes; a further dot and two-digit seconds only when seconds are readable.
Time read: 5.06
